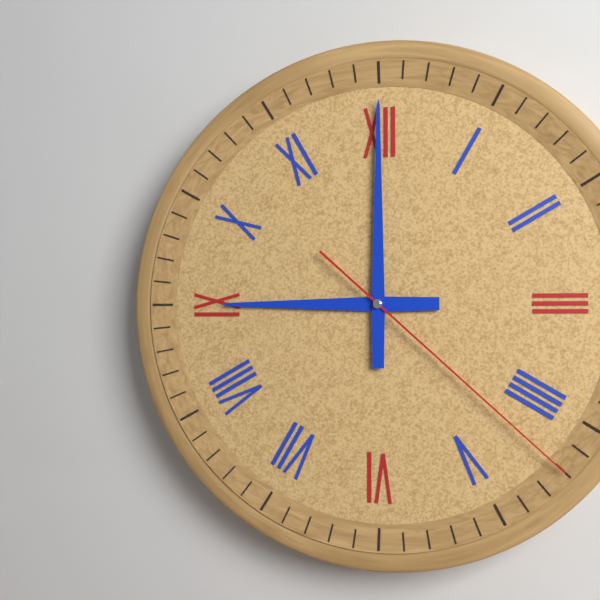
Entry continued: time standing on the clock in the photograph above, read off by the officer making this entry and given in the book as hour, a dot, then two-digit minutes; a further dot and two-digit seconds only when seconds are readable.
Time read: 9.00.22
